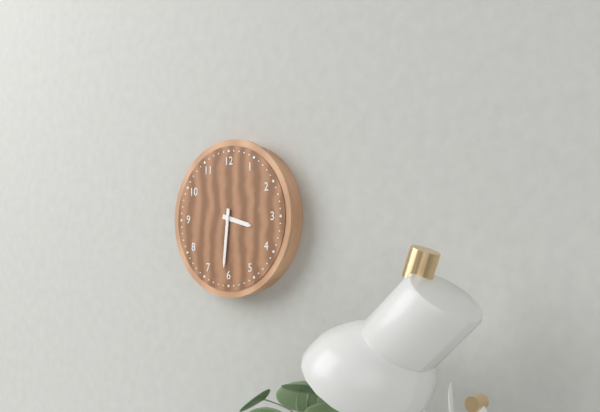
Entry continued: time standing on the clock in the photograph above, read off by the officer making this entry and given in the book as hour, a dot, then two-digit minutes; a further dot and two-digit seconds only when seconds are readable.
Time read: 3.31
